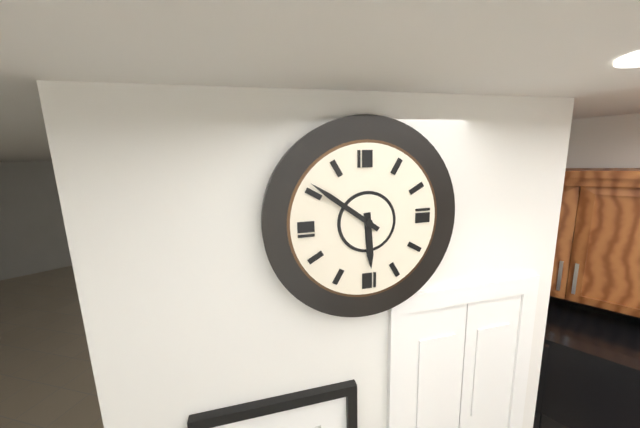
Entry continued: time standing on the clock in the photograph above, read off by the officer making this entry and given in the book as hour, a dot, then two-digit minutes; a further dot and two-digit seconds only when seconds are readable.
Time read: 5.51
